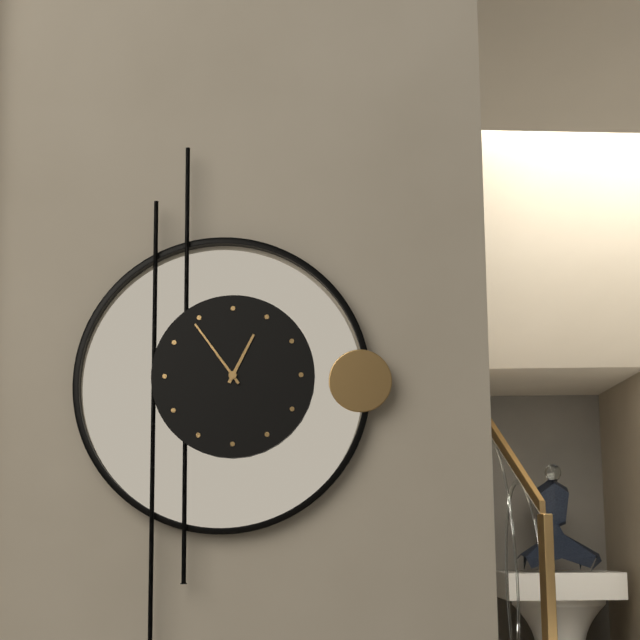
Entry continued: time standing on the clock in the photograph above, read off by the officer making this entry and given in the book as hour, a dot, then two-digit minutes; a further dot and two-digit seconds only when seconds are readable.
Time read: 12.54
